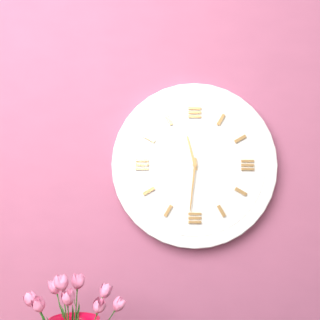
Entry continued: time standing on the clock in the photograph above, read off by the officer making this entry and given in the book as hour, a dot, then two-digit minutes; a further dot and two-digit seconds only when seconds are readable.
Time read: 11.31
